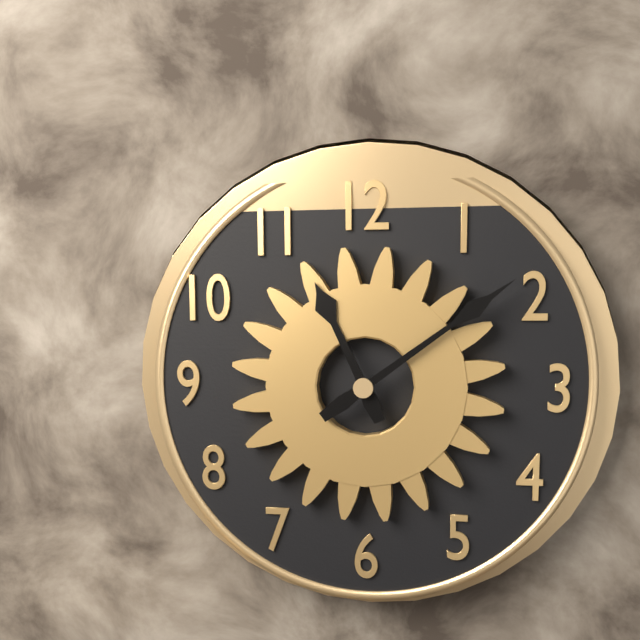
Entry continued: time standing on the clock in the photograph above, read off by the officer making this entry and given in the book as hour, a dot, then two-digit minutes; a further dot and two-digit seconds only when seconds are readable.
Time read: 11.09
